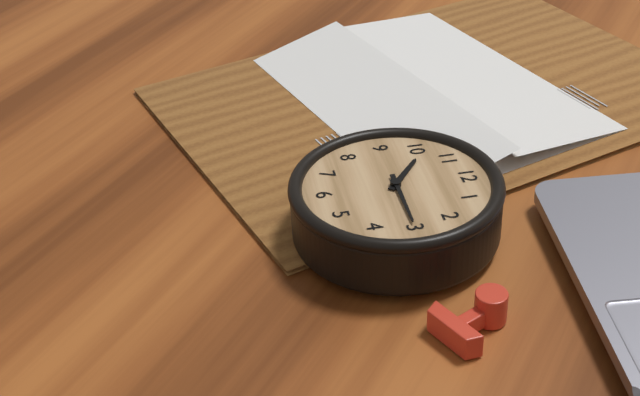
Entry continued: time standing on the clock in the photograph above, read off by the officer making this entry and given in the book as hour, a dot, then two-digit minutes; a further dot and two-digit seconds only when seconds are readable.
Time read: 10.15
